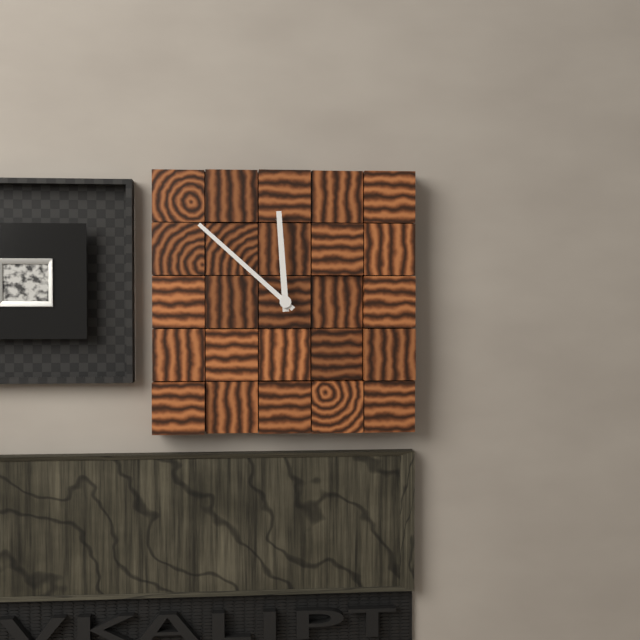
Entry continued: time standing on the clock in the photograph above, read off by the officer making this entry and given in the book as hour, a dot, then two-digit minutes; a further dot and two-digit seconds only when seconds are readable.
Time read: 11.52
